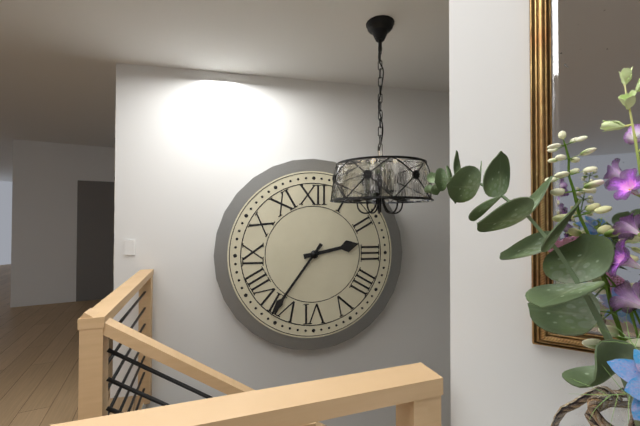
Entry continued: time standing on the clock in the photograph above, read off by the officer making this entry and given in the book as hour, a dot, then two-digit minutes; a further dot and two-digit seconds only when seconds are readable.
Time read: 2.36
